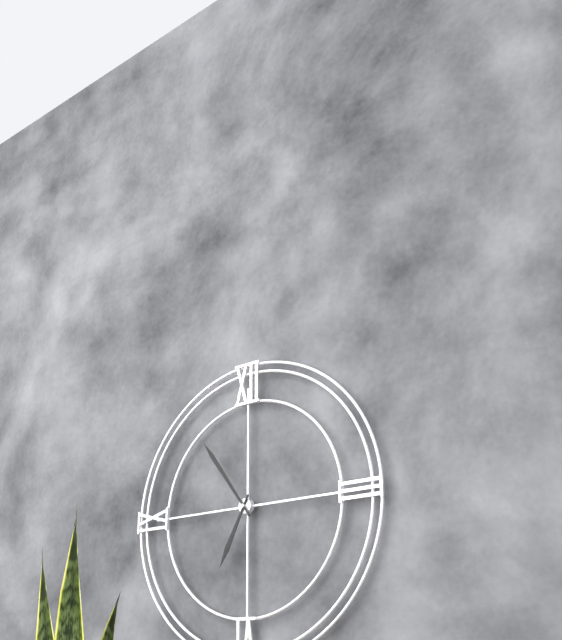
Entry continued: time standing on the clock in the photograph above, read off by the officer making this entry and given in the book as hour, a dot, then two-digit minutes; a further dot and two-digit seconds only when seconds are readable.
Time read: 6.54
